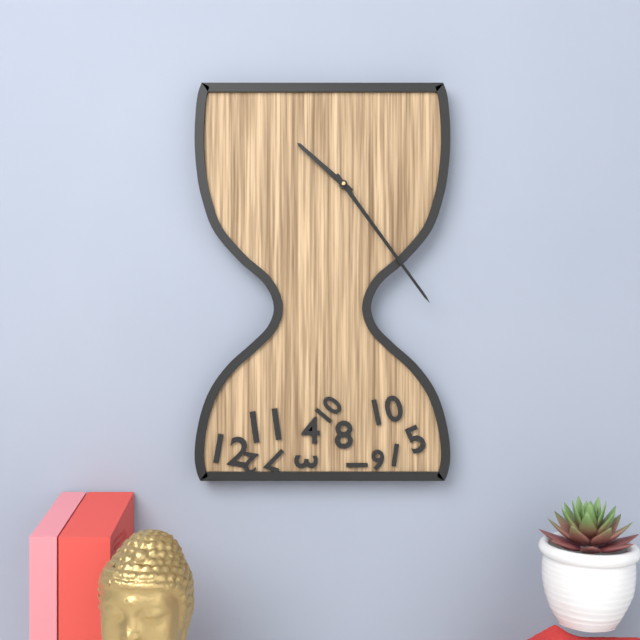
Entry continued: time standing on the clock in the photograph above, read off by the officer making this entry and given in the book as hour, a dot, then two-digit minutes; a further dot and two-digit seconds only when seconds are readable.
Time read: 10.24
